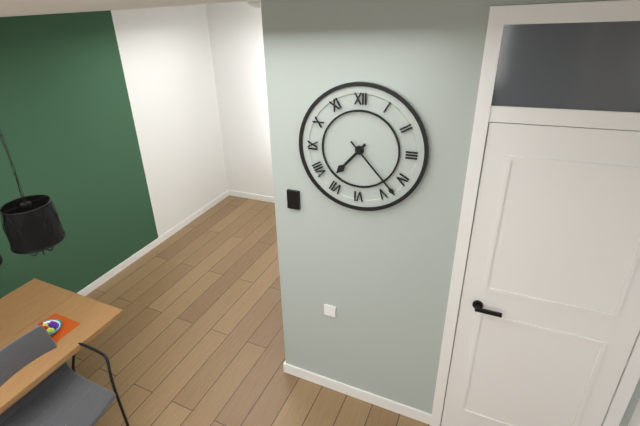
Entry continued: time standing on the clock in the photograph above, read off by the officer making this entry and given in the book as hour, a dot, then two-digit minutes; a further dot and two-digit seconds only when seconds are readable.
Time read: 7.23
